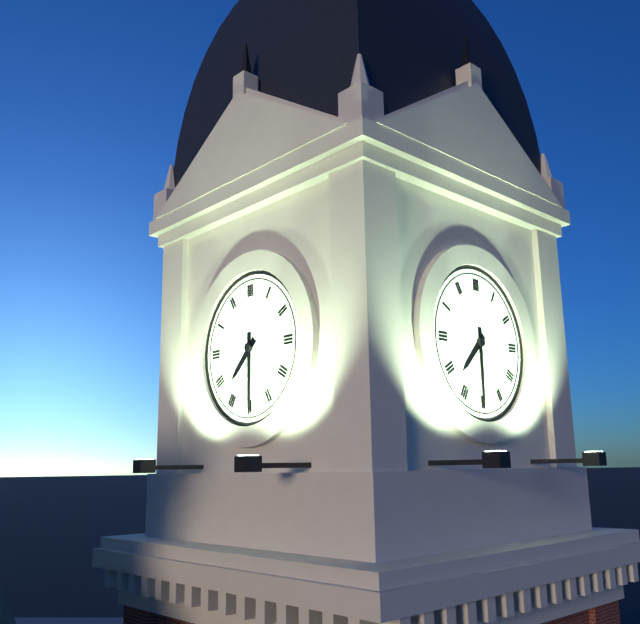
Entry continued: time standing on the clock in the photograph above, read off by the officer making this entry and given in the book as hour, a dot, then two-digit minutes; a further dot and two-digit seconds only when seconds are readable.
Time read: 7.30
